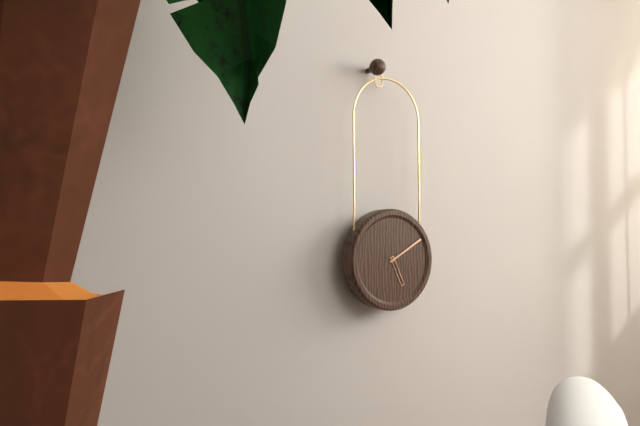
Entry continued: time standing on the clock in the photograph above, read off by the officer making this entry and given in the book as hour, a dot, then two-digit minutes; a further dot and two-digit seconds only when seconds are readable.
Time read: 5.10
